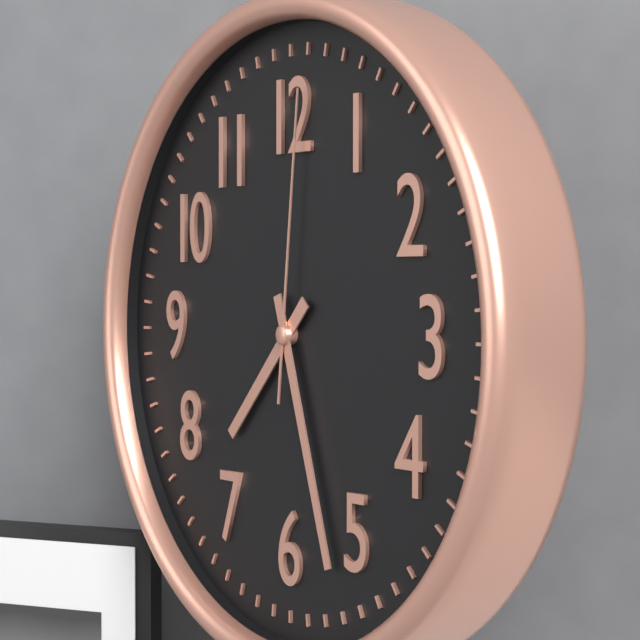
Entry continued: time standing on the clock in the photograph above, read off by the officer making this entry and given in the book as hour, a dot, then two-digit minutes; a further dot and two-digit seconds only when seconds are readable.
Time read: 7.27.01
